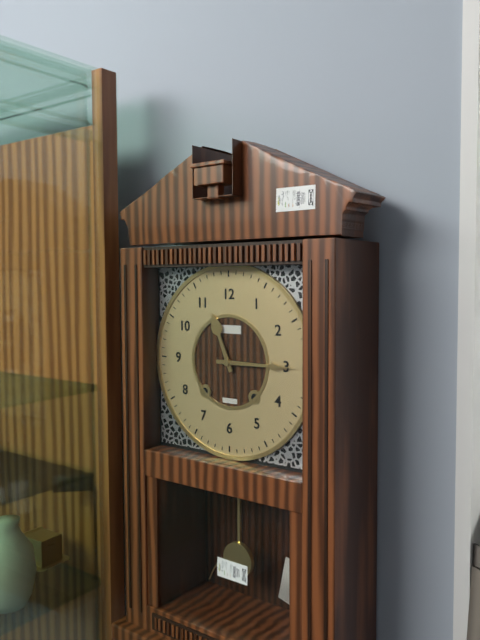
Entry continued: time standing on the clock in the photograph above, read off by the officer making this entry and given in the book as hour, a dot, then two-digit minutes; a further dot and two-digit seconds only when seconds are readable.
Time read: 11.15
